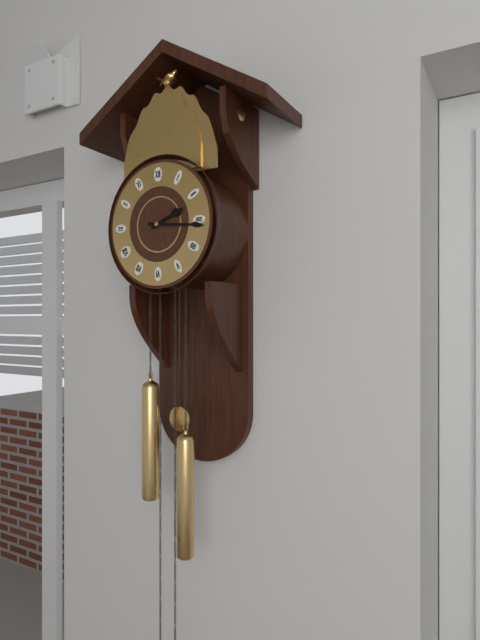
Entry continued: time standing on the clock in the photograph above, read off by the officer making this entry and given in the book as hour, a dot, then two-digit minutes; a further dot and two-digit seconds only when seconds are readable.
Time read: 2.16
